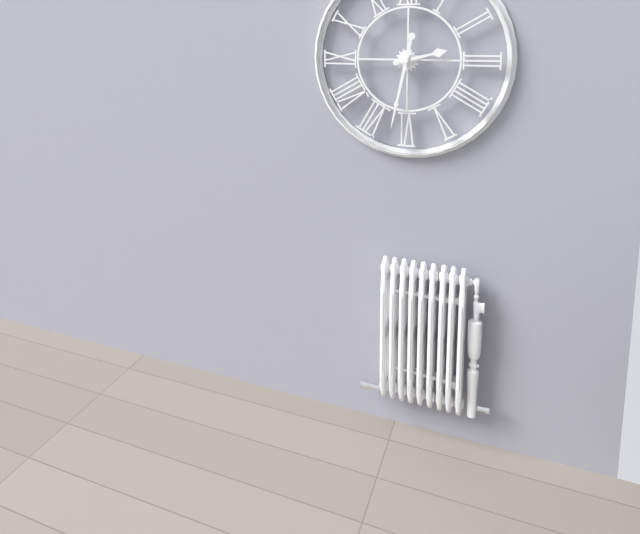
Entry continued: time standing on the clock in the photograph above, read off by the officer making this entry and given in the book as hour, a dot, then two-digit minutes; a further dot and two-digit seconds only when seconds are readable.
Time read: 2.32
